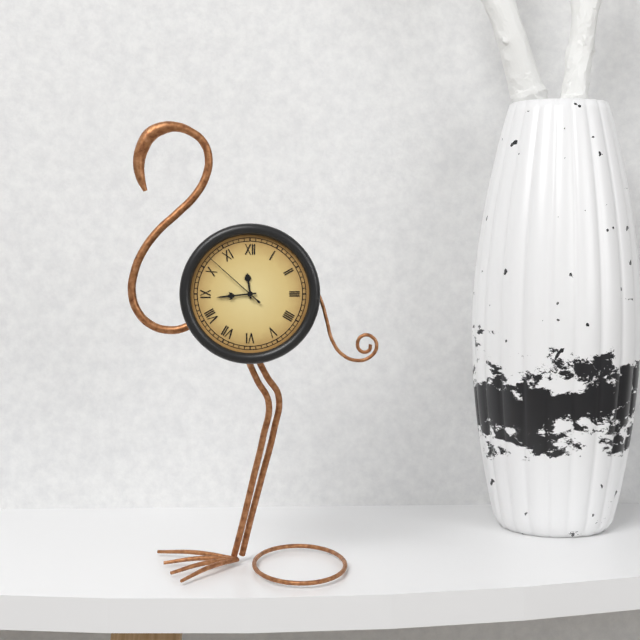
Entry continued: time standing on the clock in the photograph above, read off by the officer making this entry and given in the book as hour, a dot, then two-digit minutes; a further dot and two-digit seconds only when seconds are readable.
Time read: 11.44.52
